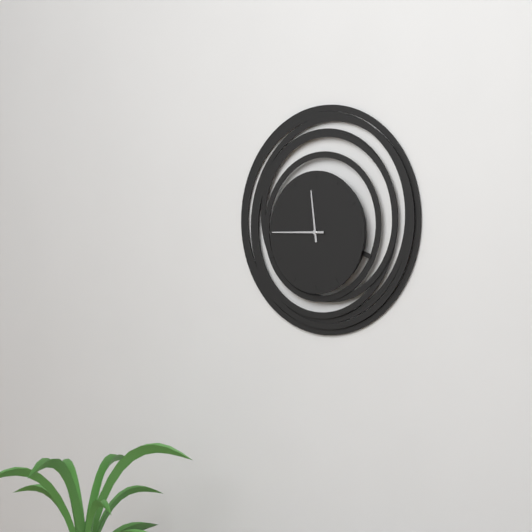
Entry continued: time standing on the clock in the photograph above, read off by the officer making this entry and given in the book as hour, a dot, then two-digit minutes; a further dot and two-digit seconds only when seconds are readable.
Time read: 11.45
